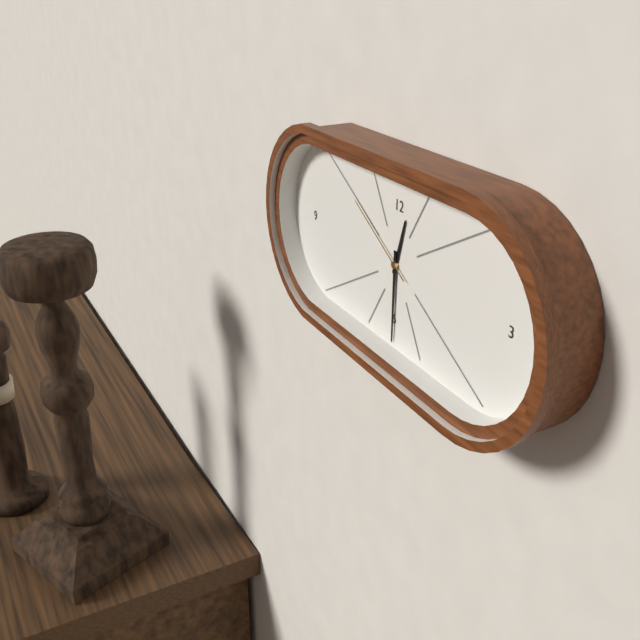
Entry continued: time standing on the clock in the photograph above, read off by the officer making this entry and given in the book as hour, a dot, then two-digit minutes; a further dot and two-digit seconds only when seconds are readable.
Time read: 12.30.50
